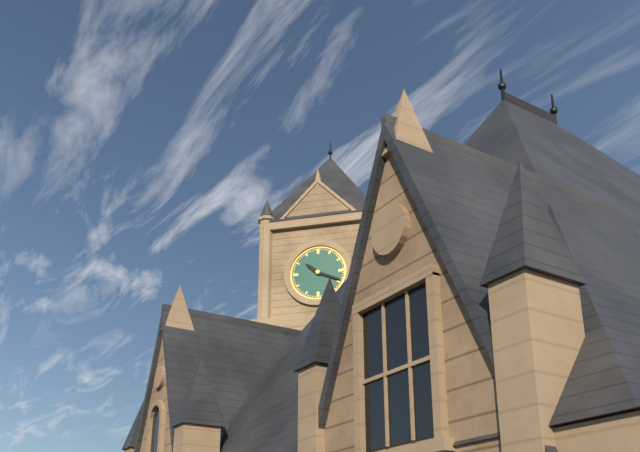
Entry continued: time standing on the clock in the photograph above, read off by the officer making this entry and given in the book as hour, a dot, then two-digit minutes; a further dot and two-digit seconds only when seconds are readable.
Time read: 10.19
